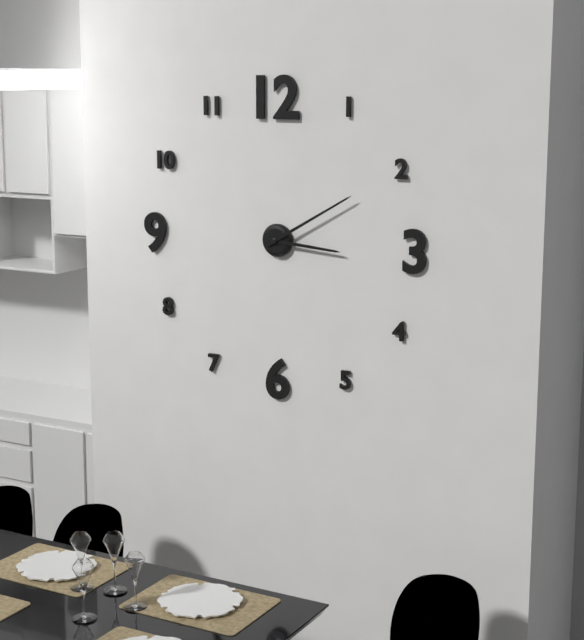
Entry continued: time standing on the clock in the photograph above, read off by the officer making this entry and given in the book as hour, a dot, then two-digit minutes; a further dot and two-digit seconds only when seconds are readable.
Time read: 3.10
